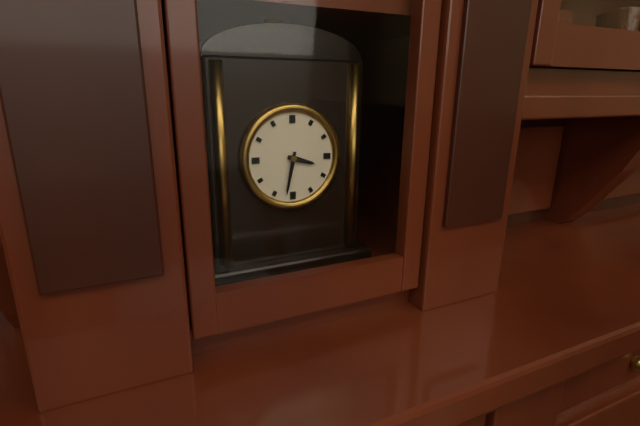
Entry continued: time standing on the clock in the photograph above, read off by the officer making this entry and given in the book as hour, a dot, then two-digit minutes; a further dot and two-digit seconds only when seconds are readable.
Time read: 3.32
